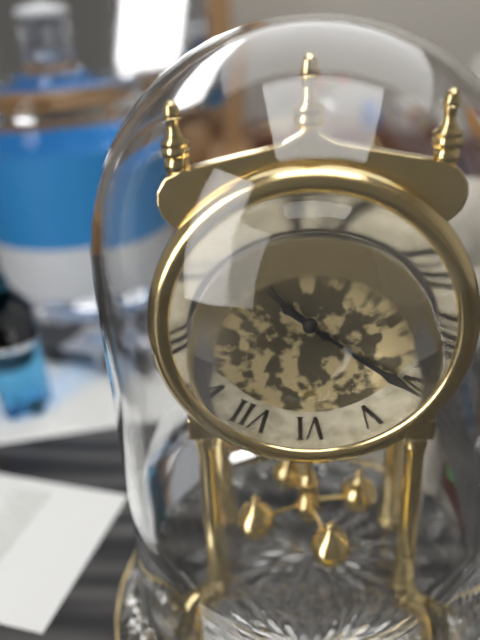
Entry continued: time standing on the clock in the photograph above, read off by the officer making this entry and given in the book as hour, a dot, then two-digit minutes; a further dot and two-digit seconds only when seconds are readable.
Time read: 10.21
